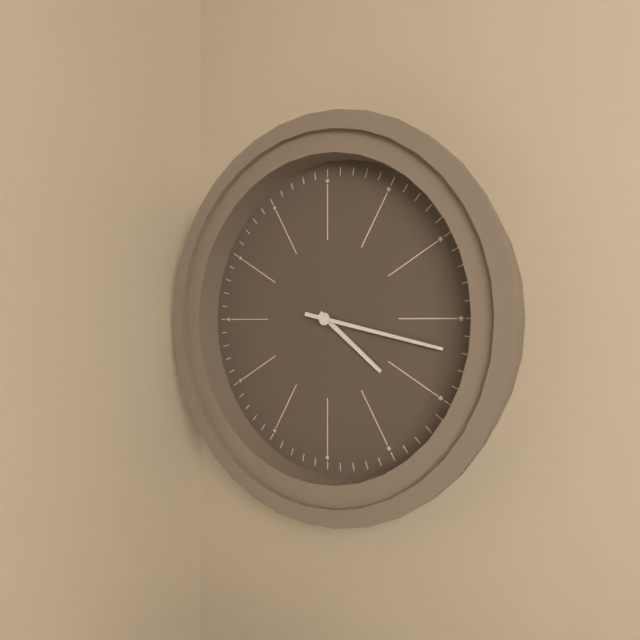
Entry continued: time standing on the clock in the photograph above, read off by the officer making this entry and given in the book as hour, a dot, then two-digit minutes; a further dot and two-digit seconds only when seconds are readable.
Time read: 4.17
